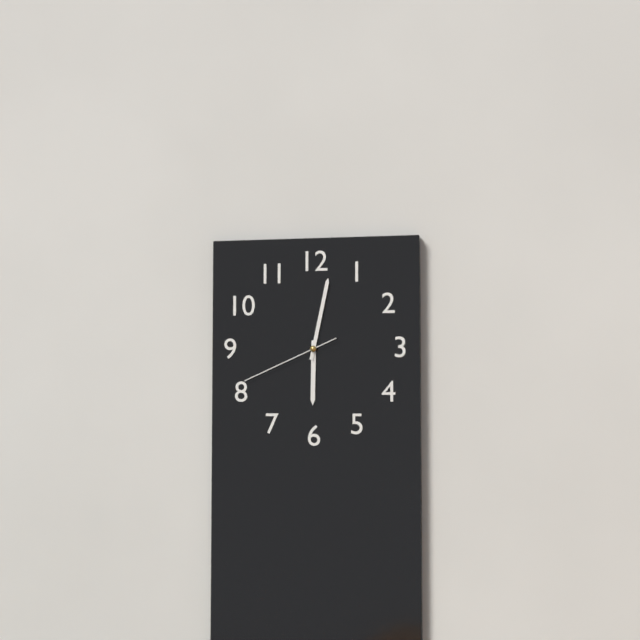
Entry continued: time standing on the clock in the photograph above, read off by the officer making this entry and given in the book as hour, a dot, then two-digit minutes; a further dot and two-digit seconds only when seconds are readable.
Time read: 6.02.41
